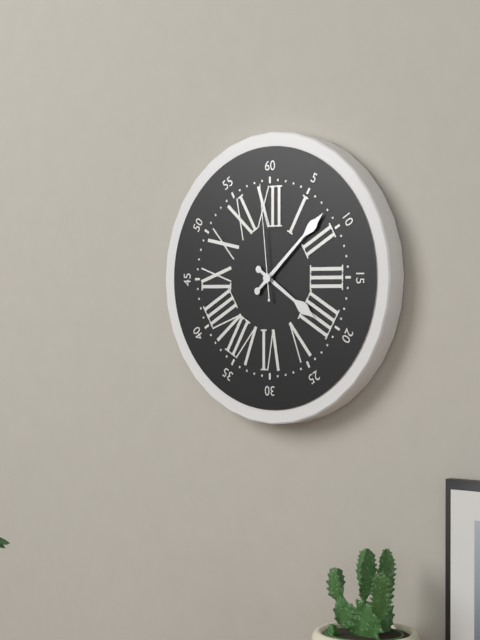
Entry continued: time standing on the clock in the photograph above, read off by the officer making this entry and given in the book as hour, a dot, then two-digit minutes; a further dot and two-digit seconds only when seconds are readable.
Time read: 4.08.59
